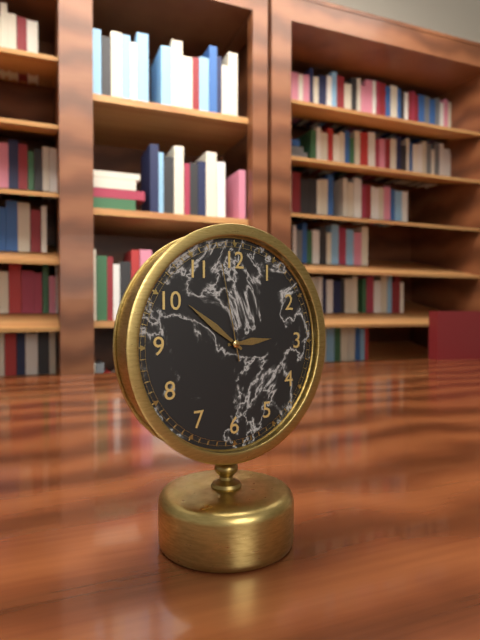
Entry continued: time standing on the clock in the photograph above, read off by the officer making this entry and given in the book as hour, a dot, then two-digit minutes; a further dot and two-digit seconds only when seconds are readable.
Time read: 2.51.58
